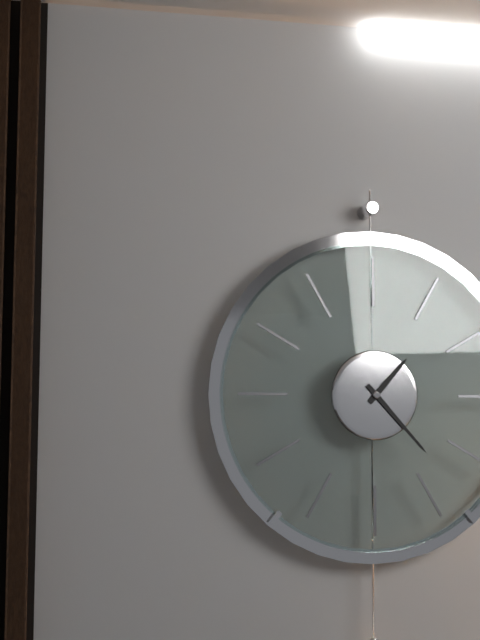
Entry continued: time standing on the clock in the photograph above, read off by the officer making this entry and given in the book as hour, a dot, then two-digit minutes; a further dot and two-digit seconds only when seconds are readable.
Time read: 1.23
